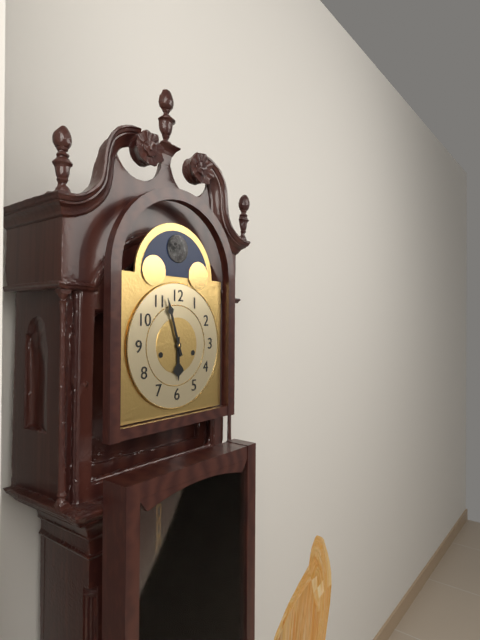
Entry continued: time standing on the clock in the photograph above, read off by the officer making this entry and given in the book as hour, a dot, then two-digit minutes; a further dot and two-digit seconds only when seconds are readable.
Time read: 5.57
